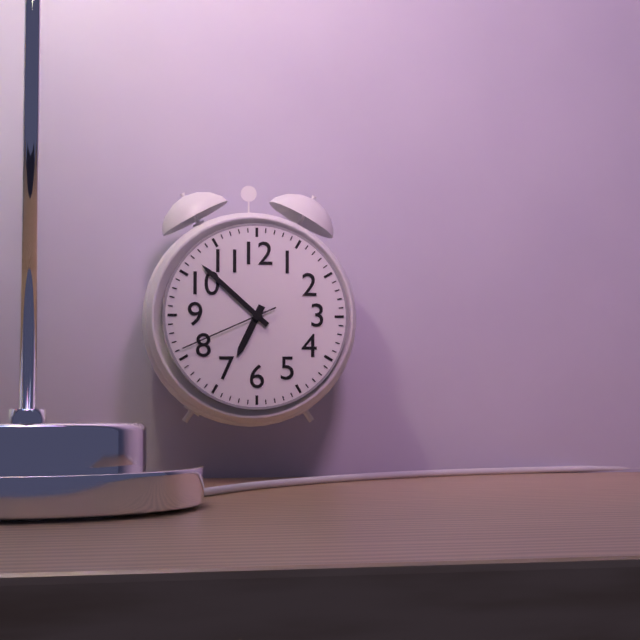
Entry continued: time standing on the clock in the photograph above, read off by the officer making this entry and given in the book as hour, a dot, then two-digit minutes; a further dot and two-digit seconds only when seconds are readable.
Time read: 6.52.41
